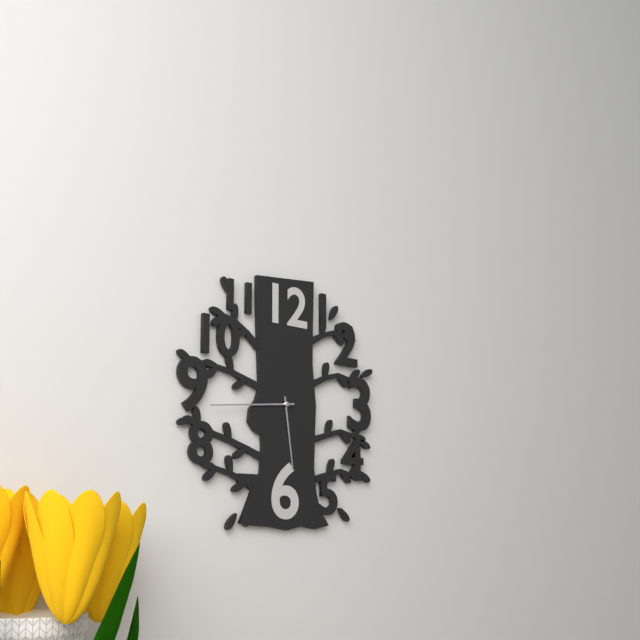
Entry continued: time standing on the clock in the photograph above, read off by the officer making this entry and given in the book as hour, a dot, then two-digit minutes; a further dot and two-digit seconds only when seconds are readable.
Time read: 5.44
